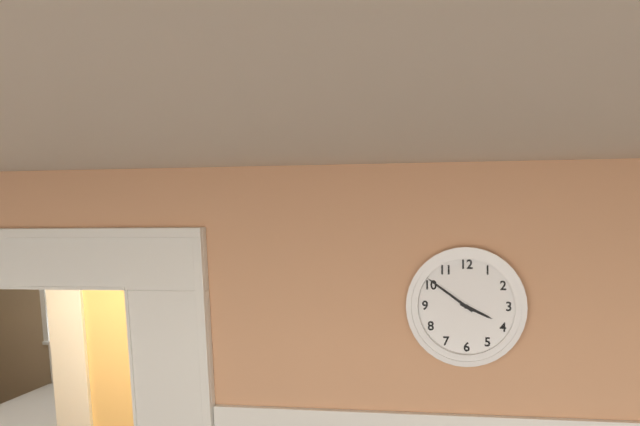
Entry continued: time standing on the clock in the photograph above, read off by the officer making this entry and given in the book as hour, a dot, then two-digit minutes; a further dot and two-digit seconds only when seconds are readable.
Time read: 3.51
